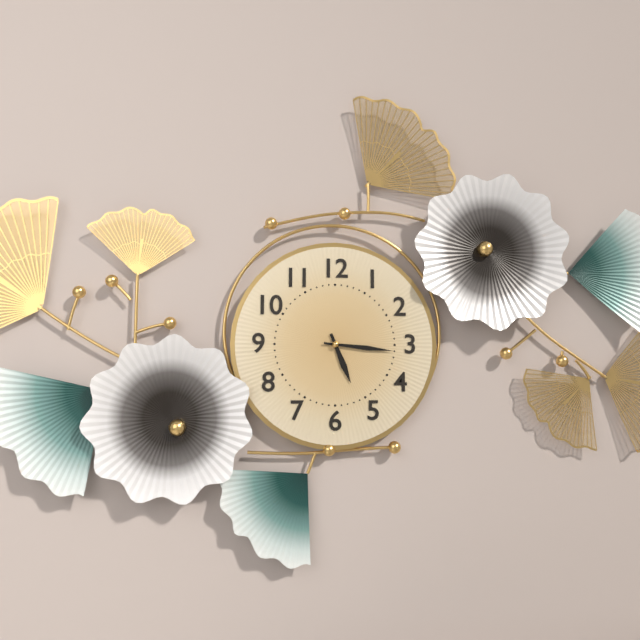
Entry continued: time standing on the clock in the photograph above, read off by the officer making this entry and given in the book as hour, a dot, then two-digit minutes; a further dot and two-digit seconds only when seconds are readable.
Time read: 5.16
